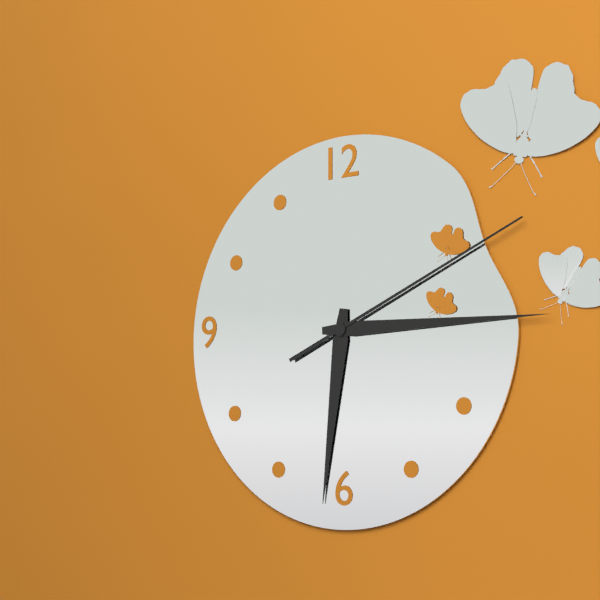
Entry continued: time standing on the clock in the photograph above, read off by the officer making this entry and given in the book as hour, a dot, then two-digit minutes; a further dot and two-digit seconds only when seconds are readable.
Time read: 6.15.11
